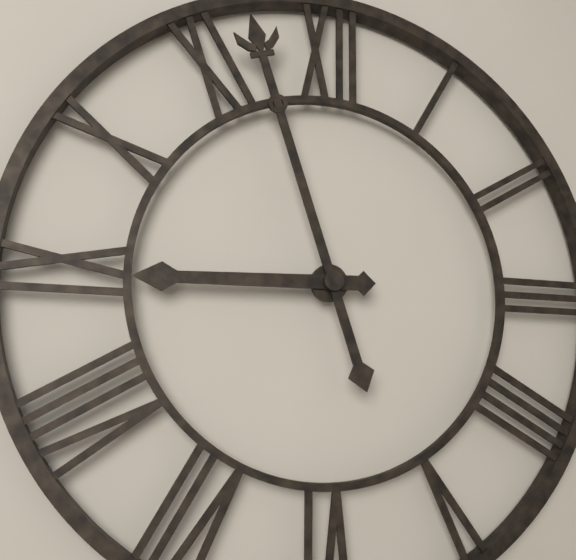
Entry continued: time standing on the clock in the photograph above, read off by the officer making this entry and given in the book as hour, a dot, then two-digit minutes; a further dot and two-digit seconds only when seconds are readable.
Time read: 8.57
